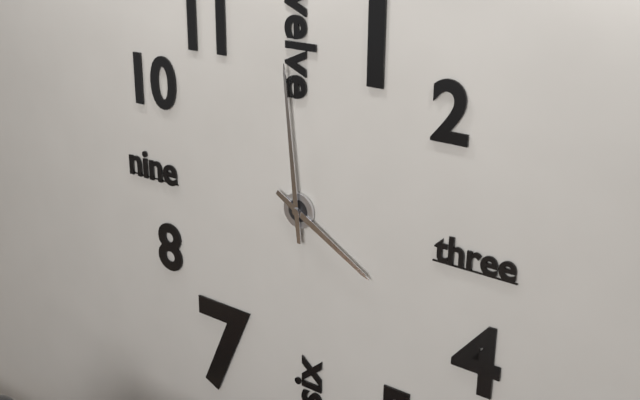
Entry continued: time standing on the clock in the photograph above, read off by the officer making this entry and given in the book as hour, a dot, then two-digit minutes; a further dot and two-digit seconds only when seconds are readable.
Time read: 3.59
